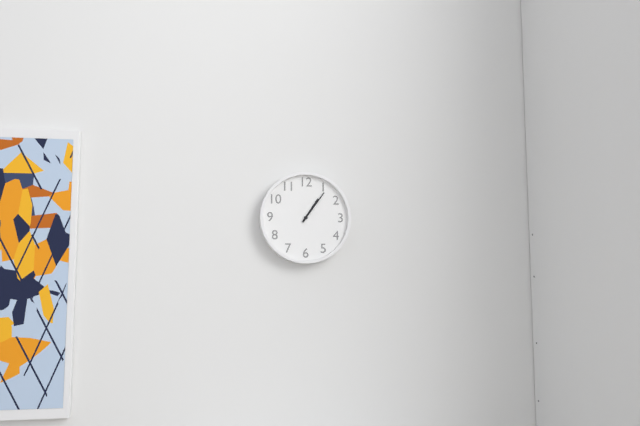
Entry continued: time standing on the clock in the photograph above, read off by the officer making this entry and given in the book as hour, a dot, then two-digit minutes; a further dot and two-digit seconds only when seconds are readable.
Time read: 1.06
